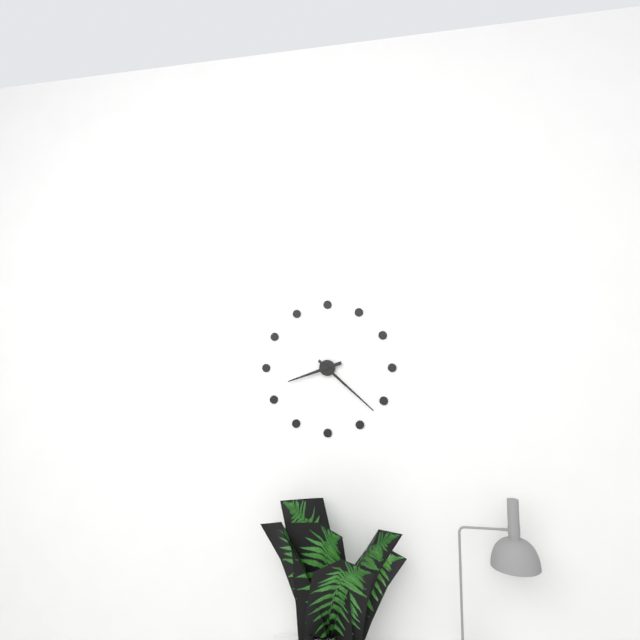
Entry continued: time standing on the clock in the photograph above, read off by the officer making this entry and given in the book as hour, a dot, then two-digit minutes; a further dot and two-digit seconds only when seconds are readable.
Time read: 8.22
